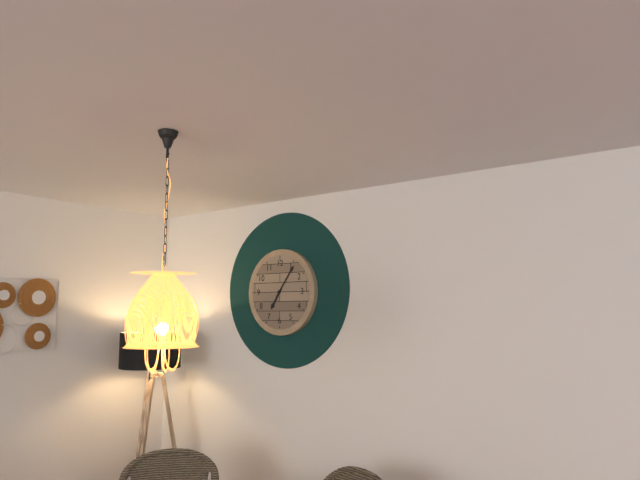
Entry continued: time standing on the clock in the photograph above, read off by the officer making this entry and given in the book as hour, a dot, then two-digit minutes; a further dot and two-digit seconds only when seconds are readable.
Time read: 7.06
